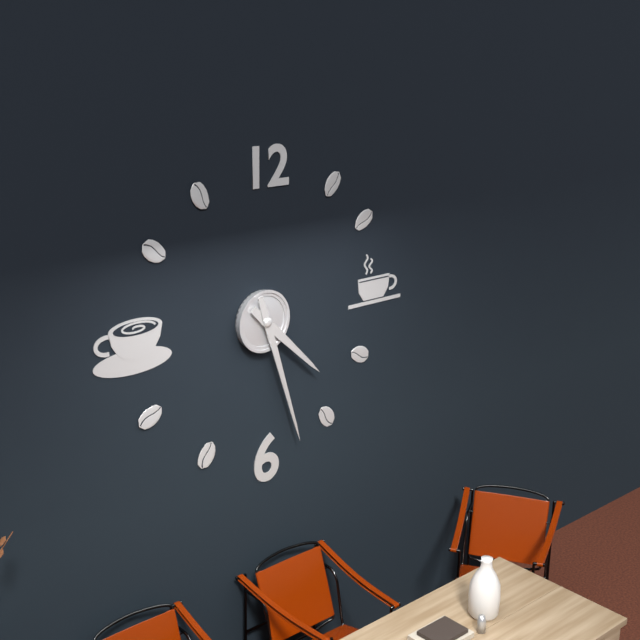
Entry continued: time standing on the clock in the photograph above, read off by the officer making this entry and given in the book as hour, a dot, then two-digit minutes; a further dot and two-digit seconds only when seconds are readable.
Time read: 4.27
